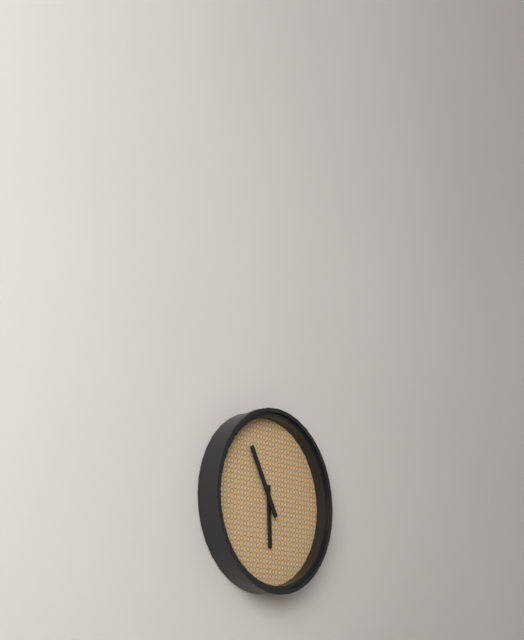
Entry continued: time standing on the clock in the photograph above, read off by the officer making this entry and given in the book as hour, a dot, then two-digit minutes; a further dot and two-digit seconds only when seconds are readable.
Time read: 5.55
